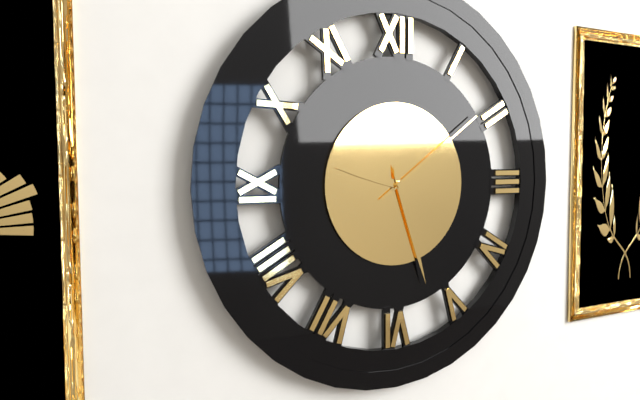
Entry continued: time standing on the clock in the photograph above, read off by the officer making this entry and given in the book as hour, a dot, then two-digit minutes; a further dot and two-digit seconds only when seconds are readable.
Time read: 9.27.09
